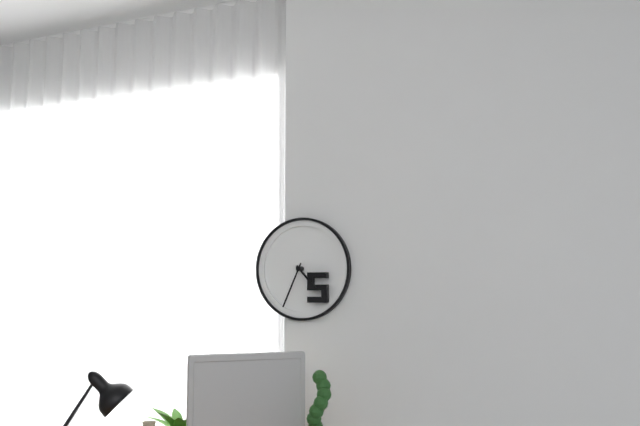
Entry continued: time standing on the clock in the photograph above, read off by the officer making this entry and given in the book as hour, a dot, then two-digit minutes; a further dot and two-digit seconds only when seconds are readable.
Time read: 4.34
